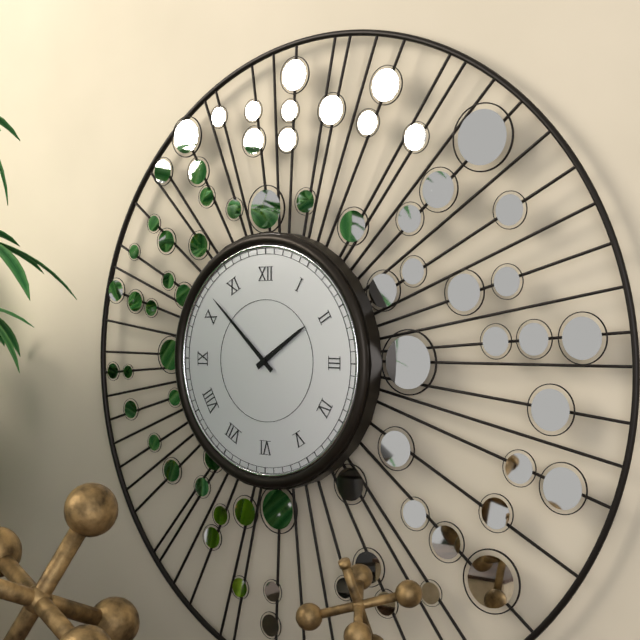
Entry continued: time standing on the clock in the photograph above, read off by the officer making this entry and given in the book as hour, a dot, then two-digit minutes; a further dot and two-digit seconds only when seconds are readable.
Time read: 1.52
